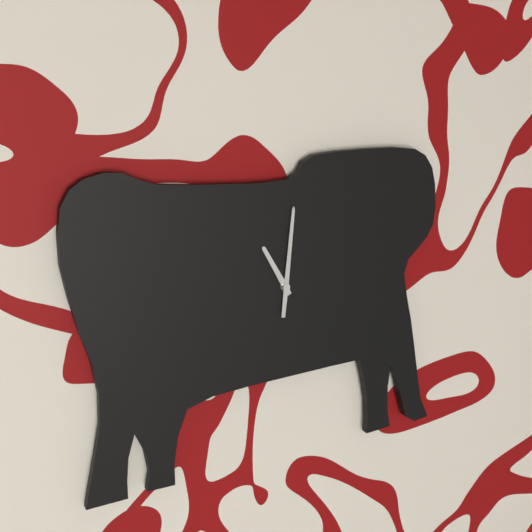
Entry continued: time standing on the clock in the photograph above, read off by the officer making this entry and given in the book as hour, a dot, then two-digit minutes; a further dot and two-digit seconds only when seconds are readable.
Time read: 11.01
